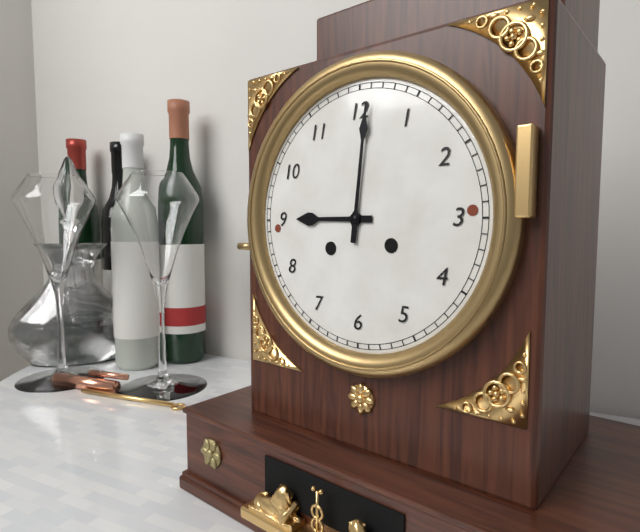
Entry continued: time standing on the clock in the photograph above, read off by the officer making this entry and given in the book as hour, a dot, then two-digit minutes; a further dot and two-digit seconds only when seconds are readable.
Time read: 9.01
